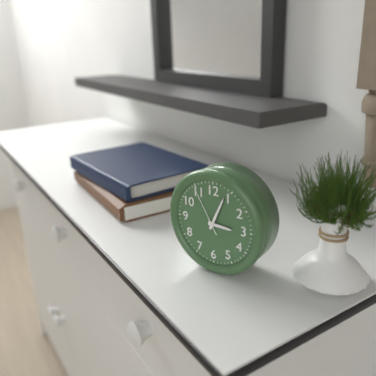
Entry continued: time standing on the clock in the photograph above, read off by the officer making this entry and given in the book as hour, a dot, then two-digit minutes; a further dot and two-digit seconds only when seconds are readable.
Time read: 3.04.55
